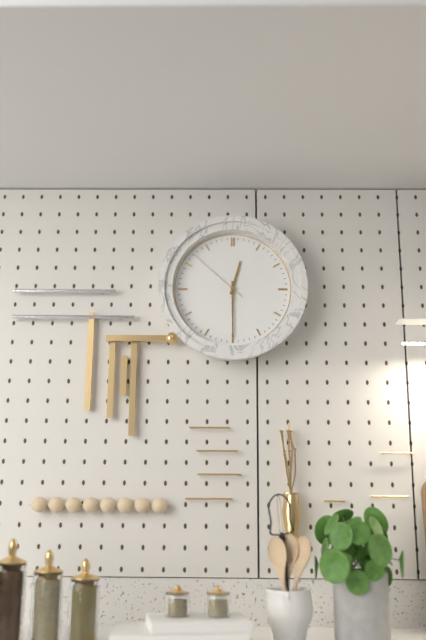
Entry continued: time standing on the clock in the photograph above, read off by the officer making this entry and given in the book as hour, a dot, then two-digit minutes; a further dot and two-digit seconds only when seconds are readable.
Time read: 12.30.52
